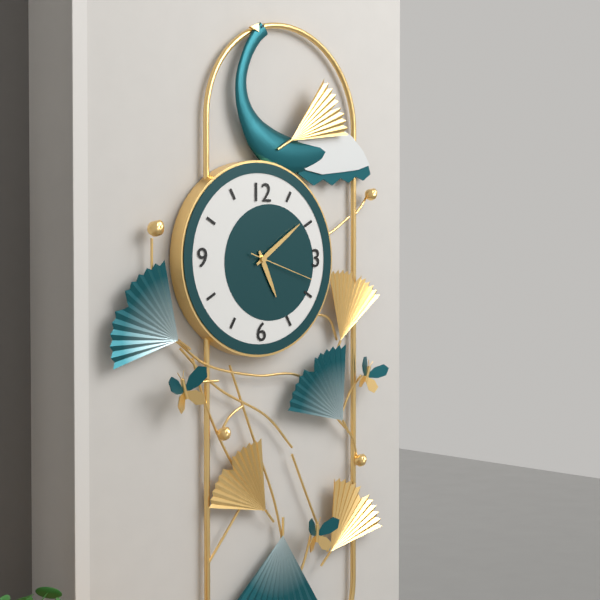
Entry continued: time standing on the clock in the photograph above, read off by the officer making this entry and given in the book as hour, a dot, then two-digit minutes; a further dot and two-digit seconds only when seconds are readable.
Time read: 5.09.18
